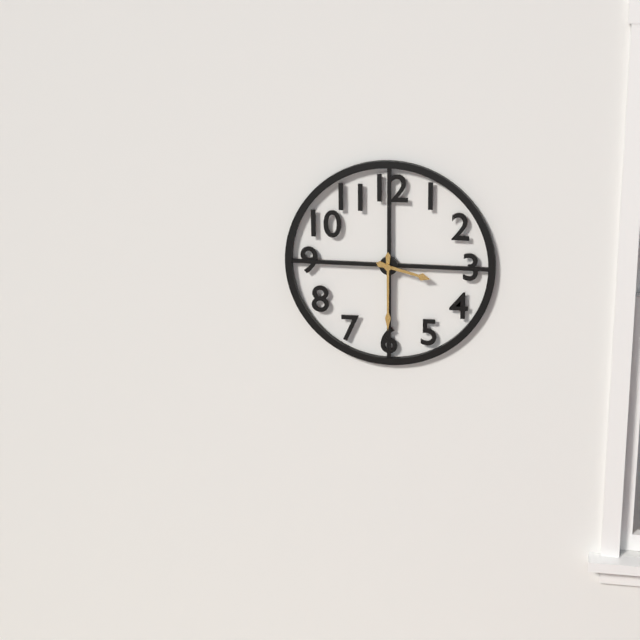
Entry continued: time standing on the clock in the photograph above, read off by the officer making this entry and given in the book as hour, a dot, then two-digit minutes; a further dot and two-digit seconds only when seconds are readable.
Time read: 3.30
